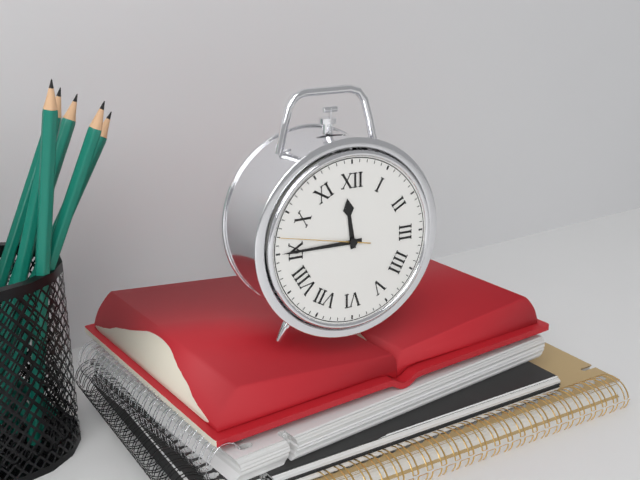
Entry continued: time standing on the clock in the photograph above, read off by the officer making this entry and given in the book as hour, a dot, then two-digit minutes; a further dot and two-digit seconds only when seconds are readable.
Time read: 11.45.47
